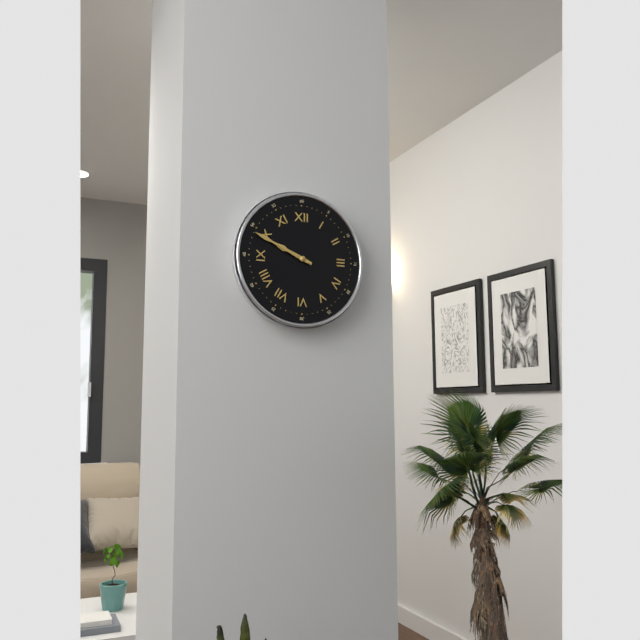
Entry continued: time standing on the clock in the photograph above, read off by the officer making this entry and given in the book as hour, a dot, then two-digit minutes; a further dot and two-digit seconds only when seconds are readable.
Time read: 9.49
